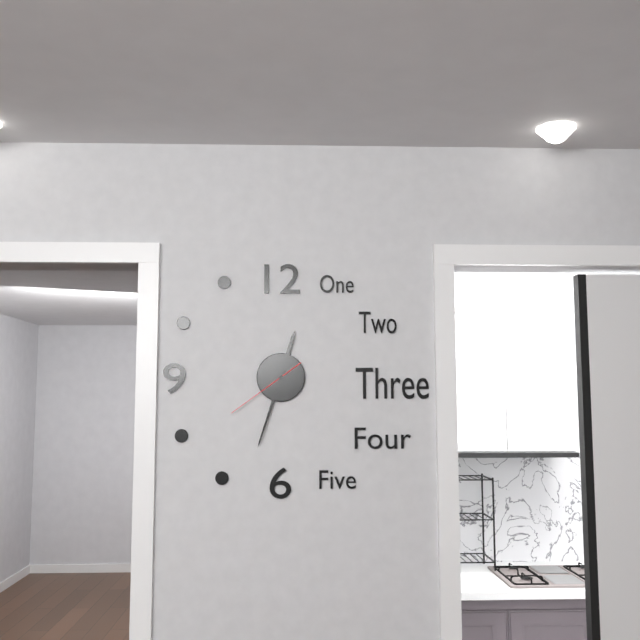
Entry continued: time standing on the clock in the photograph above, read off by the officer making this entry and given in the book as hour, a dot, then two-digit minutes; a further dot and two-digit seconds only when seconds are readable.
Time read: 12.33.39
